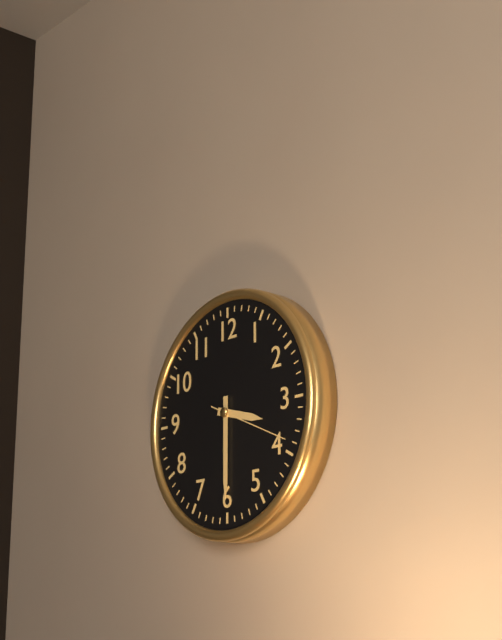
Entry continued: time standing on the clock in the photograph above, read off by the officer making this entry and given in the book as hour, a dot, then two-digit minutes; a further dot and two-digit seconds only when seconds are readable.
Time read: 3.30.19
